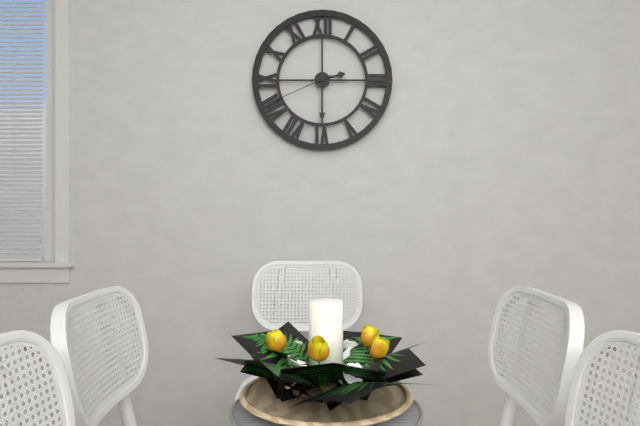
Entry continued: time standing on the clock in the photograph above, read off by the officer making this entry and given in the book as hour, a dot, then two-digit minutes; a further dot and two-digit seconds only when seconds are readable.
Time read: 2.30.41
